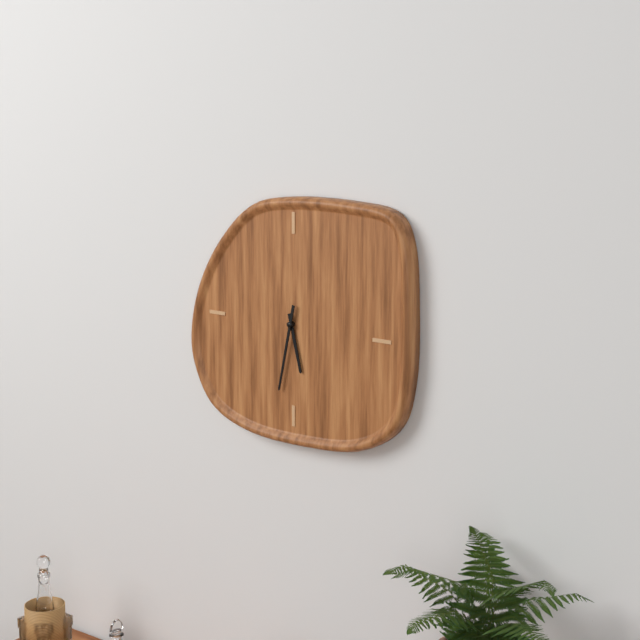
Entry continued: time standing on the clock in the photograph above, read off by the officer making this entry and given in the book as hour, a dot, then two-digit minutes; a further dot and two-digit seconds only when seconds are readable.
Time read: 5.32
